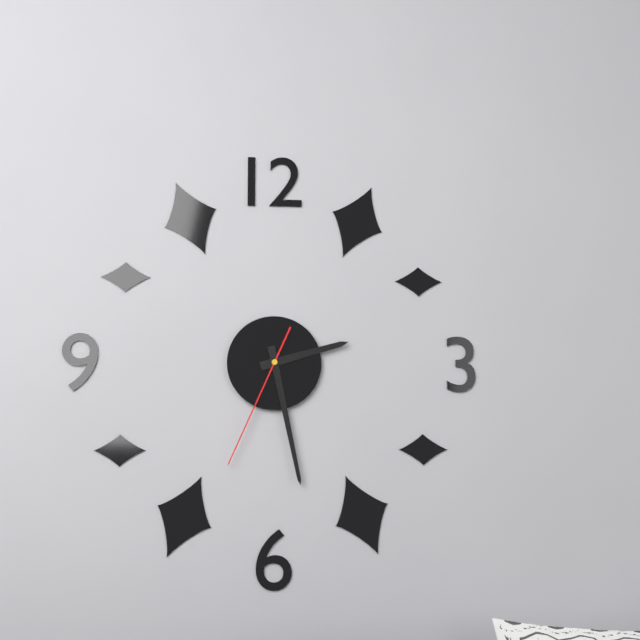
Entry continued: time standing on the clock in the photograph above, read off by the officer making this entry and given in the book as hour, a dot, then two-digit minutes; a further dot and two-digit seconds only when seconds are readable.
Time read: 2.28.34
